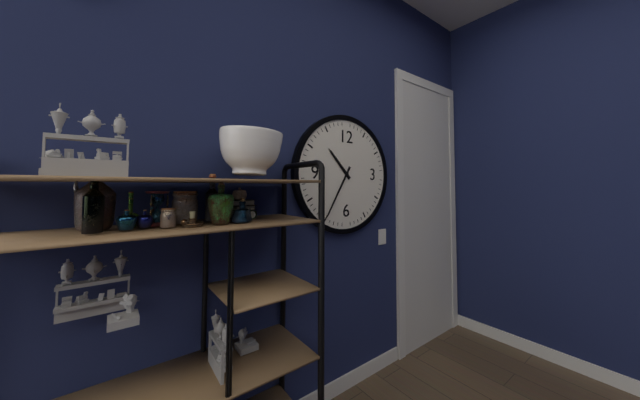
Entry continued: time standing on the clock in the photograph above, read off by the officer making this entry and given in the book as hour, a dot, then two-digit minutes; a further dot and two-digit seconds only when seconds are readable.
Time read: 10.35
